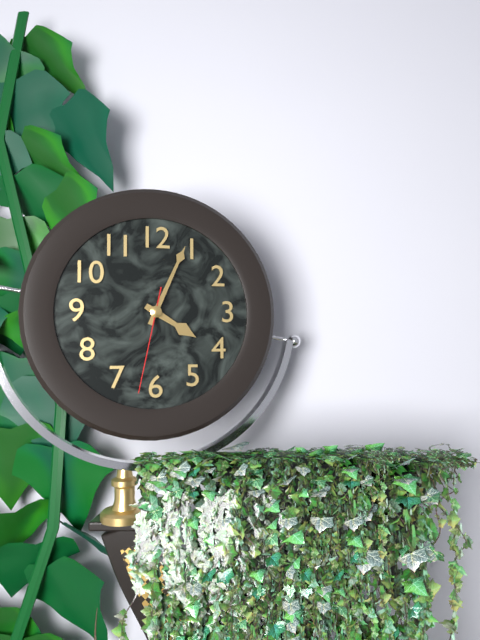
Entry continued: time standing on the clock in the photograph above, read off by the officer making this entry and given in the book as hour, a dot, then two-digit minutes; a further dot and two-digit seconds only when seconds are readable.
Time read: 4.04.32
